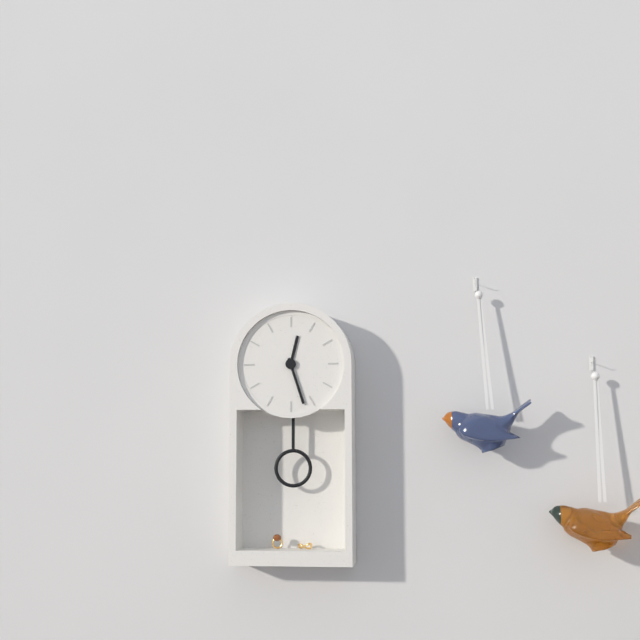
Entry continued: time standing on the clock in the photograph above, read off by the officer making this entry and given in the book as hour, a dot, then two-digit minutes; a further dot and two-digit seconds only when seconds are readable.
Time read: 12.27
